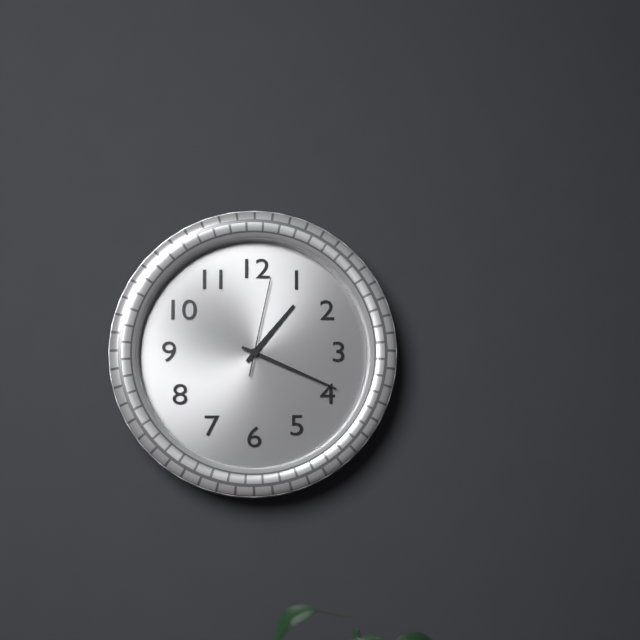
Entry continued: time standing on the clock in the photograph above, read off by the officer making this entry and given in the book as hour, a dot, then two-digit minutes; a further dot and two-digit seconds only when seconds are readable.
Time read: 1.19.02
